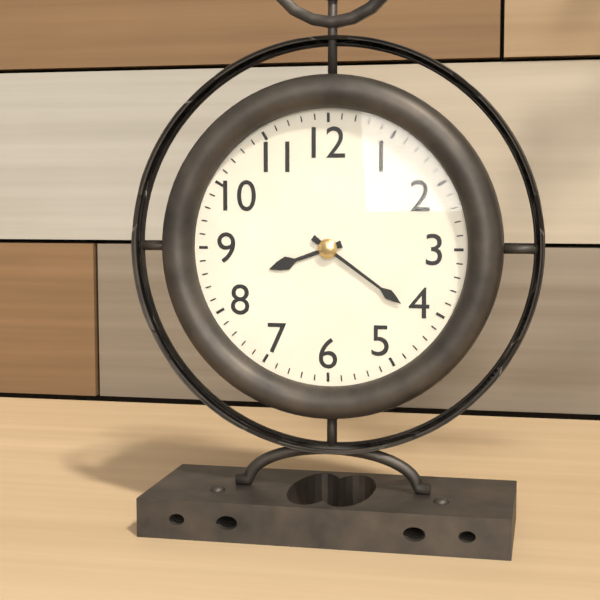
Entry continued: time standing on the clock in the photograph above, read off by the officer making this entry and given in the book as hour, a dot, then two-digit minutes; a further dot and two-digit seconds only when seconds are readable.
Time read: 8.21
